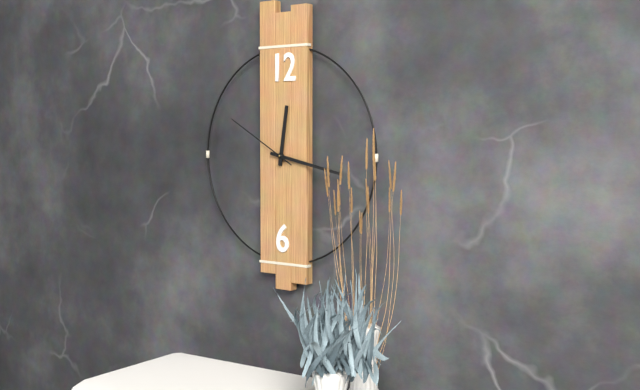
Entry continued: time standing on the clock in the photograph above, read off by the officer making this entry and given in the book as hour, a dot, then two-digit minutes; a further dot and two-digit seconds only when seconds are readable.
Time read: 12.17.50
